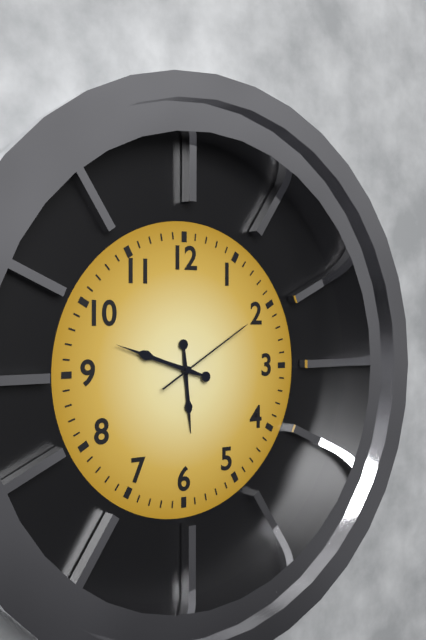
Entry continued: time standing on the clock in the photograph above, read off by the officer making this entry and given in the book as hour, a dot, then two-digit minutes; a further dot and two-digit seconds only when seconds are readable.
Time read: 5.48.10
